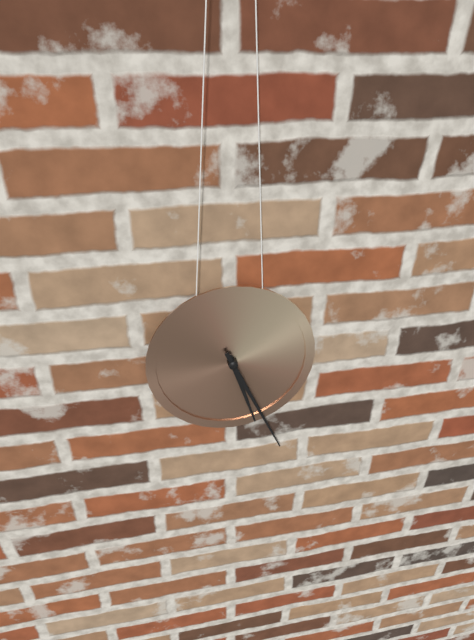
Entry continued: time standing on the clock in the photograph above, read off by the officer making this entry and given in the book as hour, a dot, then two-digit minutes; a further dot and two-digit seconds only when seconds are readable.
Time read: 5.26
